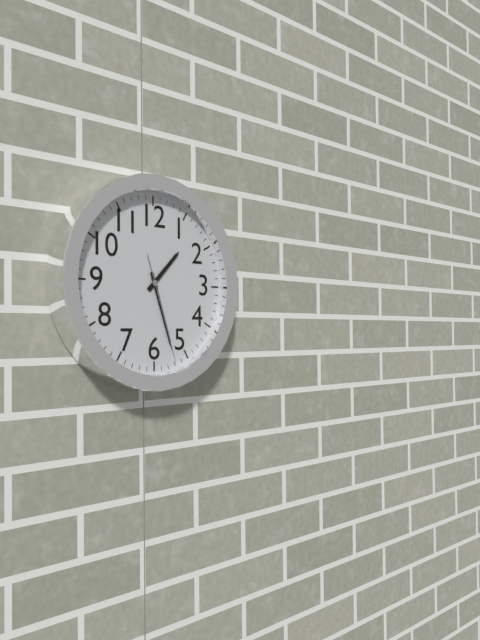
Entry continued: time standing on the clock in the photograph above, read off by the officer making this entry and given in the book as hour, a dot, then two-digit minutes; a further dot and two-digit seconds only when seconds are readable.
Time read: 1.27.27
